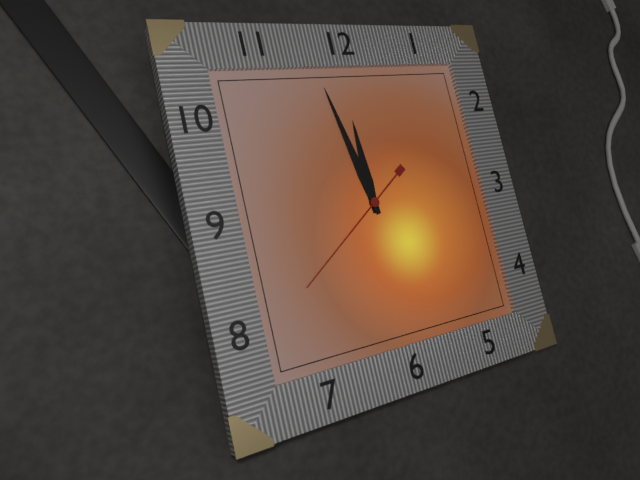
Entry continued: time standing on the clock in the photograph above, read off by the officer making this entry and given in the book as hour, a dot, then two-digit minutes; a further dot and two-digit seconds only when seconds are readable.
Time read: 11.58.39
